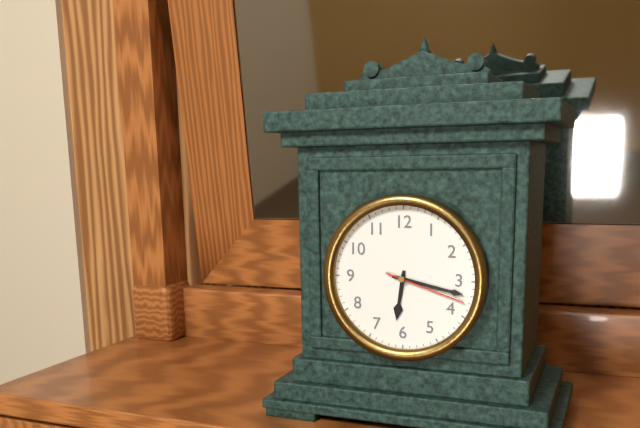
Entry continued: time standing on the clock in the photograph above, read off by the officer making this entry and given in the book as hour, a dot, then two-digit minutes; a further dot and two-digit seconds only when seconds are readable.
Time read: 6.17.18
